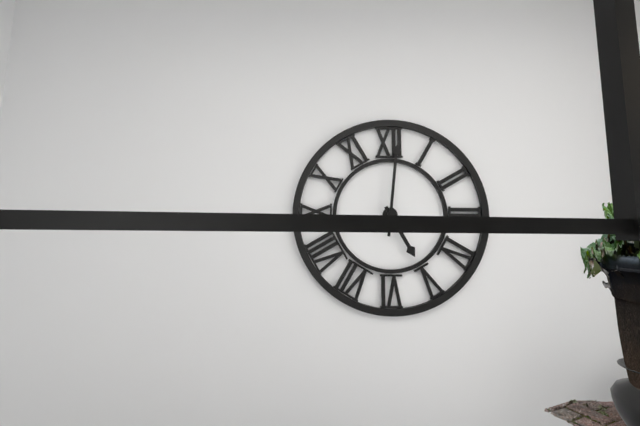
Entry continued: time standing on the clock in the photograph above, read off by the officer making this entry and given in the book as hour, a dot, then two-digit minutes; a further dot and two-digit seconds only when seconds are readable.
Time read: 5.01
